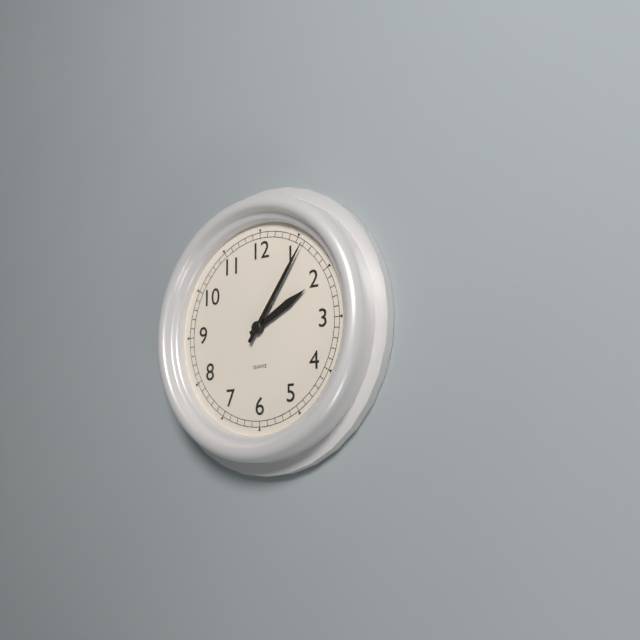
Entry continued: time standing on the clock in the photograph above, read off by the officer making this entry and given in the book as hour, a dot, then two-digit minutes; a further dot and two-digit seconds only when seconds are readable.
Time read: 2.06
